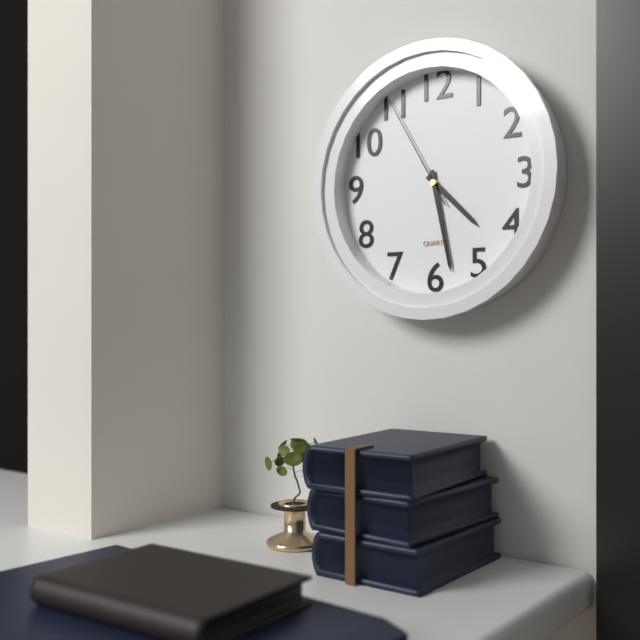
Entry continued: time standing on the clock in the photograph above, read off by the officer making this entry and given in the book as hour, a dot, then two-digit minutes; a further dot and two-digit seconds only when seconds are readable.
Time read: 4.28.55
